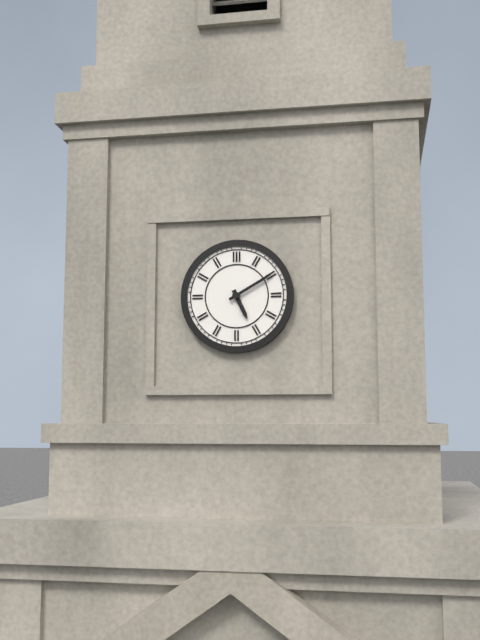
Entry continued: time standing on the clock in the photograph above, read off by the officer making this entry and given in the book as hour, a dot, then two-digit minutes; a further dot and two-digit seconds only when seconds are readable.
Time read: 5.10
